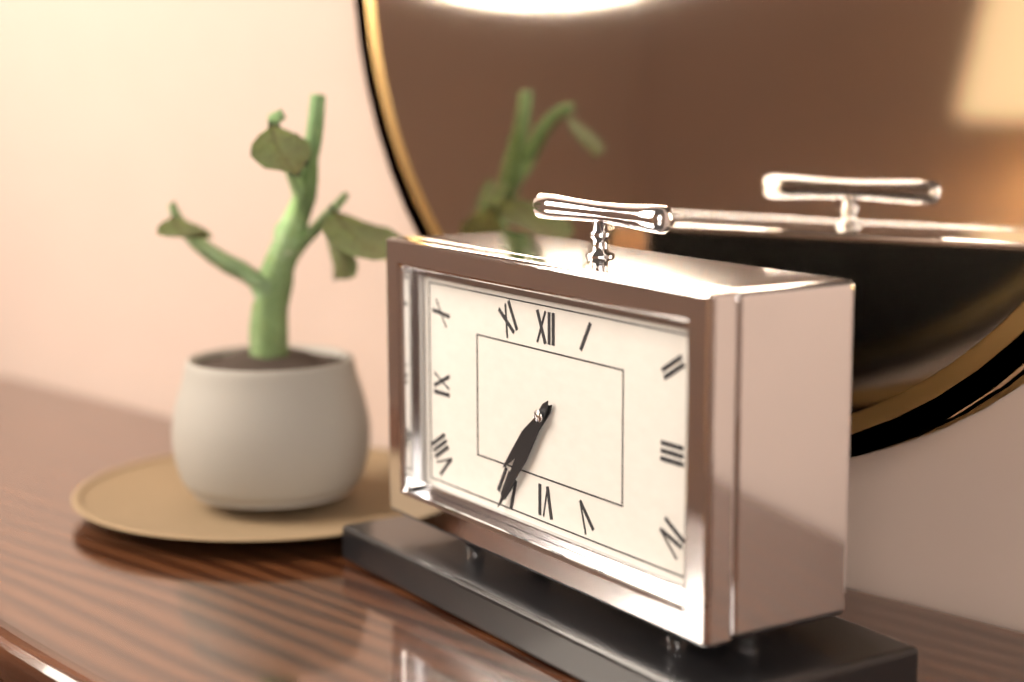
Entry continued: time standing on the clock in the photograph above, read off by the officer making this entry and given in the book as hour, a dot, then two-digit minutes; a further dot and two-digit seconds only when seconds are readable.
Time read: 7.36
